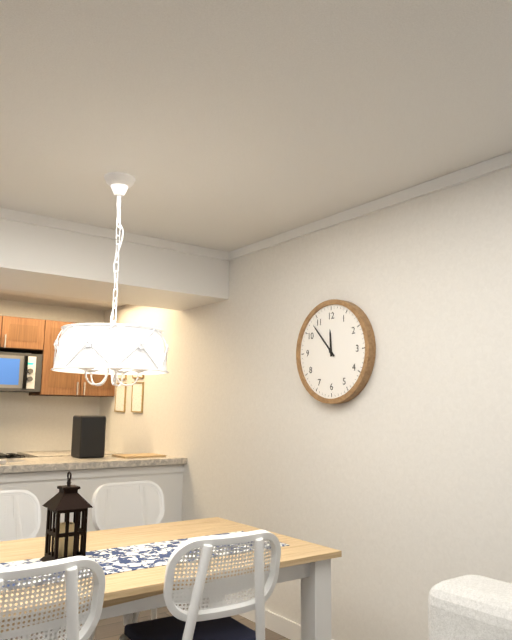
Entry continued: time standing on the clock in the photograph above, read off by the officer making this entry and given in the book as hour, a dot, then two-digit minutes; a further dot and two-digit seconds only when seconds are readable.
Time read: 11.53
